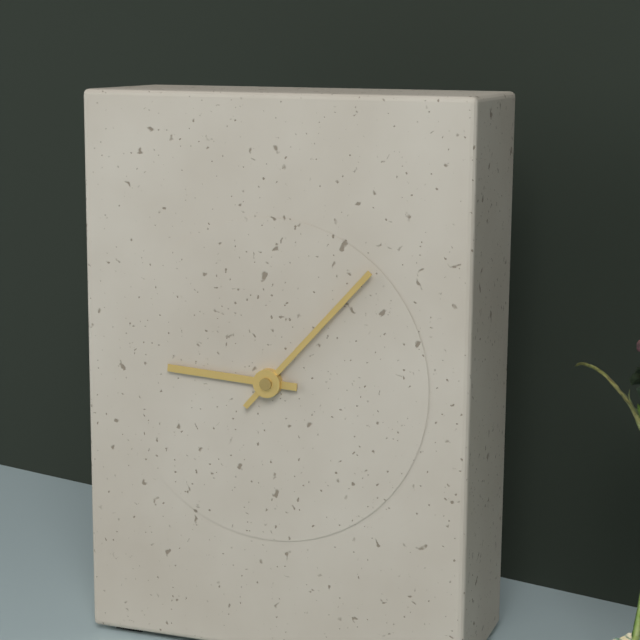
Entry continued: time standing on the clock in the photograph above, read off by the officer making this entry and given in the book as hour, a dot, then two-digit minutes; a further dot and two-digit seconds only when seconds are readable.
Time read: 9.07
